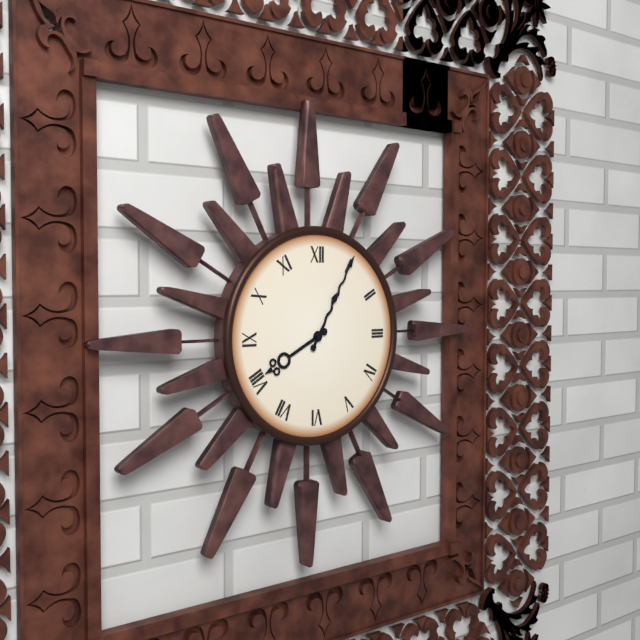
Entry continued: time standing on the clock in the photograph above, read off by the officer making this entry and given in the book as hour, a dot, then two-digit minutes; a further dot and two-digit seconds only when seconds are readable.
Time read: 8.05
